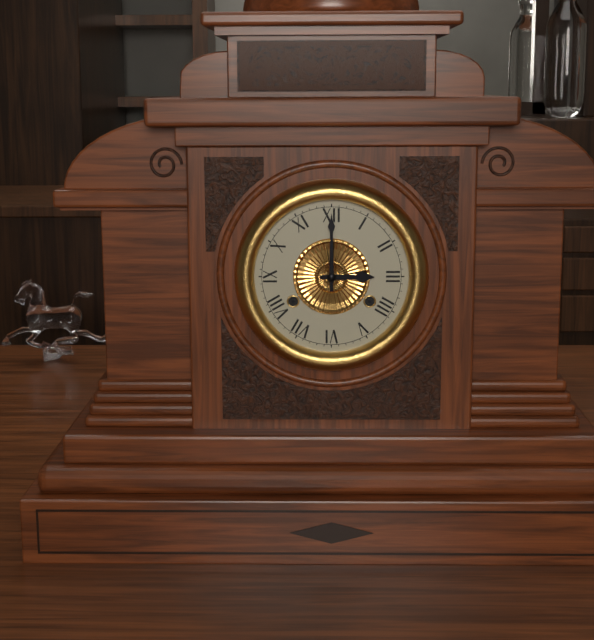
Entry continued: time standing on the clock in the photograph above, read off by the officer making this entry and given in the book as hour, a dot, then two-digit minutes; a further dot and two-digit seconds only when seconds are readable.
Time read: 3.00
